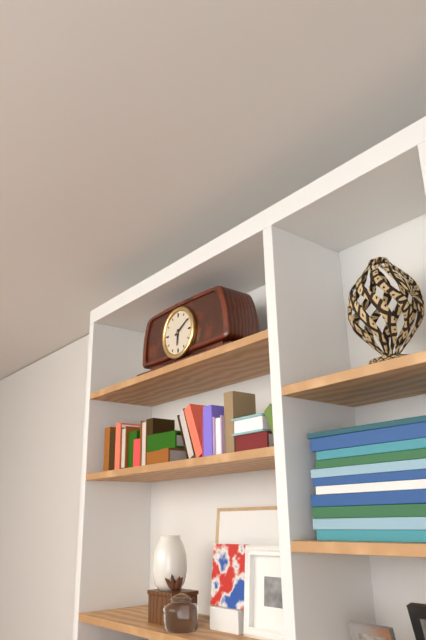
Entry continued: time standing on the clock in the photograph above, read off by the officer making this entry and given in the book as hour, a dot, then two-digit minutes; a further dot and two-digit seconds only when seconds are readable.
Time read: 6.10
